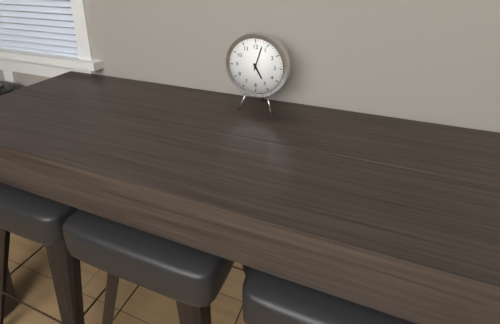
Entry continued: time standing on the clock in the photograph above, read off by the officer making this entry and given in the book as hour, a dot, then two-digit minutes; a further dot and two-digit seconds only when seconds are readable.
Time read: 5.03
